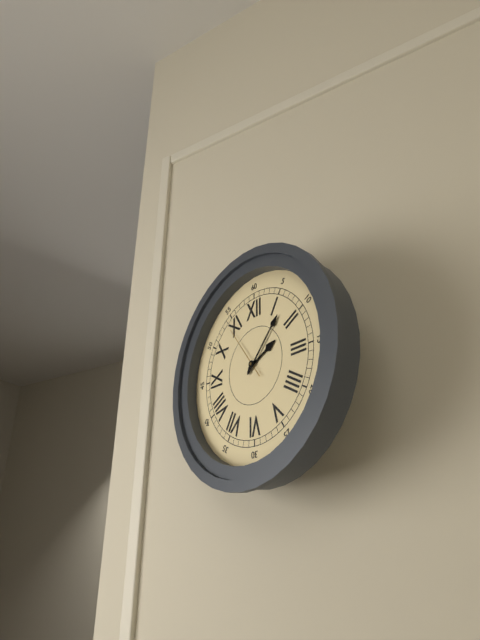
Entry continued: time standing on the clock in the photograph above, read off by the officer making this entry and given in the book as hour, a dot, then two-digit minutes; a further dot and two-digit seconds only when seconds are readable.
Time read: 2.07.54
